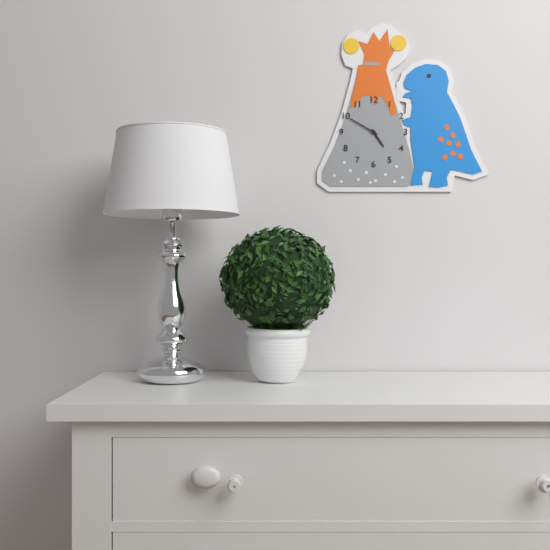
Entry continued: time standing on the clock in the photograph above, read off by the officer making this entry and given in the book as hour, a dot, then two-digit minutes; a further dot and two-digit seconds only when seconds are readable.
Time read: 4.50
